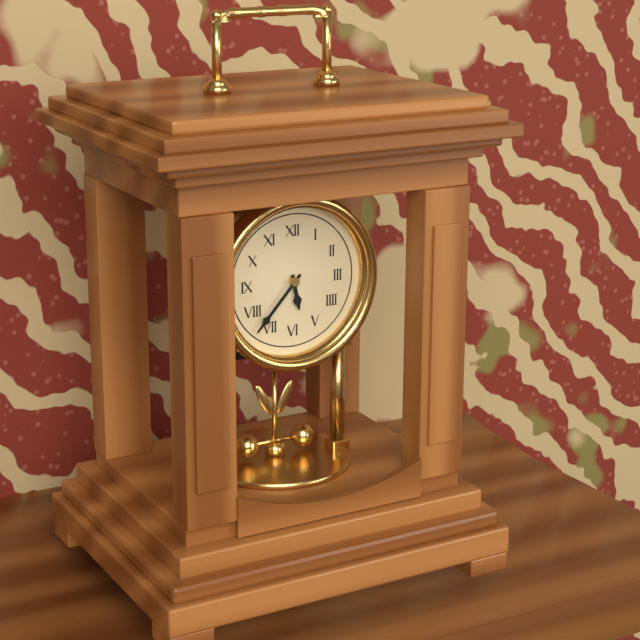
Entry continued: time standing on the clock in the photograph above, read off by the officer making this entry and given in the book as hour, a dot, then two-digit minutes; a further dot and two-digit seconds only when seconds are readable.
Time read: 5.37
